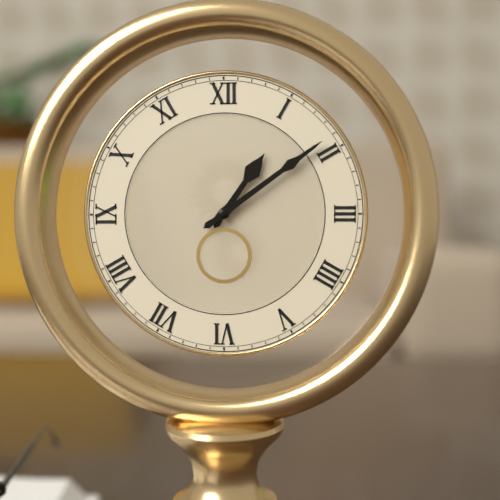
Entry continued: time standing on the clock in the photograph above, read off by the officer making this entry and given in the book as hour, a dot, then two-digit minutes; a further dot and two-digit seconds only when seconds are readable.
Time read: 1.09
